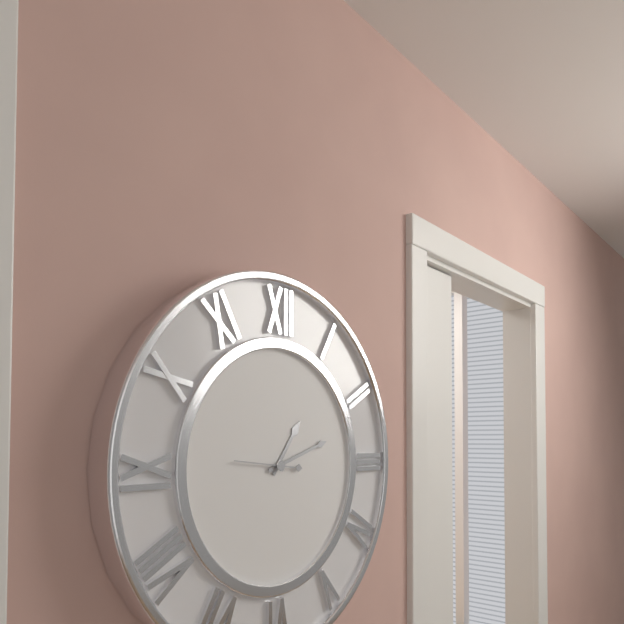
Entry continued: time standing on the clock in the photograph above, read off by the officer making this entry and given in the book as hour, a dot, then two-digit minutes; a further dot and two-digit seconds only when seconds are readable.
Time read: 1.12.46
